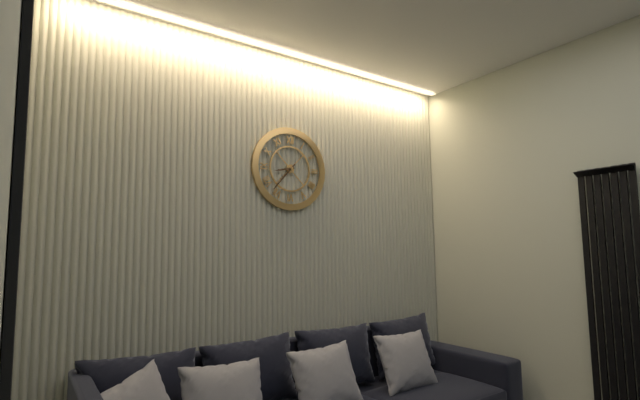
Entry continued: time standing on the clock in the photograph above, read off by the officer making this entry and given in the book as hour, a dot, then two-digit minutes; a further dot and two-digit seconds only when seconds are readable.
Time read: 8.37
